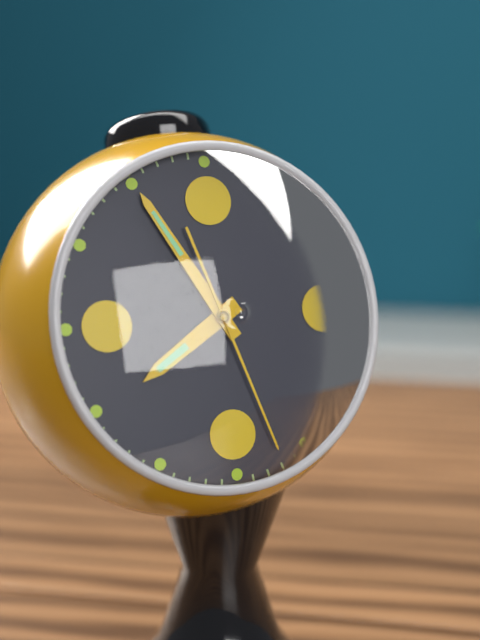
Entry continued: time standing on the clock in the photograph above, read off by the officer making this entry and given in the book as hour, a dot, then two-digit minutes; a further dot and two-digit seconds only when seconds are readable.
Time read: 7.55.27
